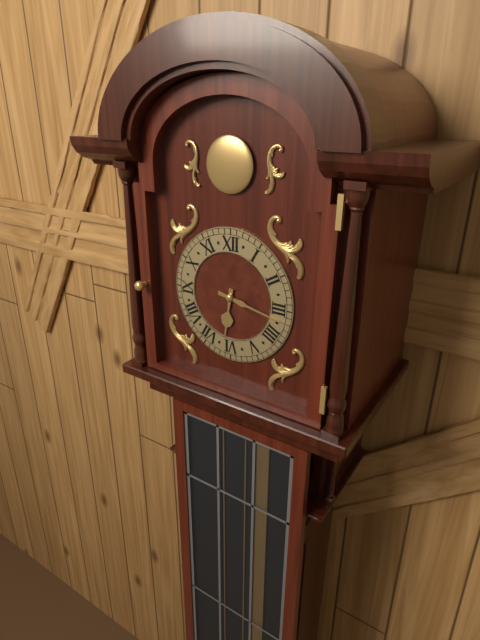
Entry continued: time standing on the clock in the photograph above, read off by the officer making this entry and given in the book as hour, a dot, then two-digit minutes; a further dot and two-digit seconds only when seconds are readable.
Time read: 6.17
